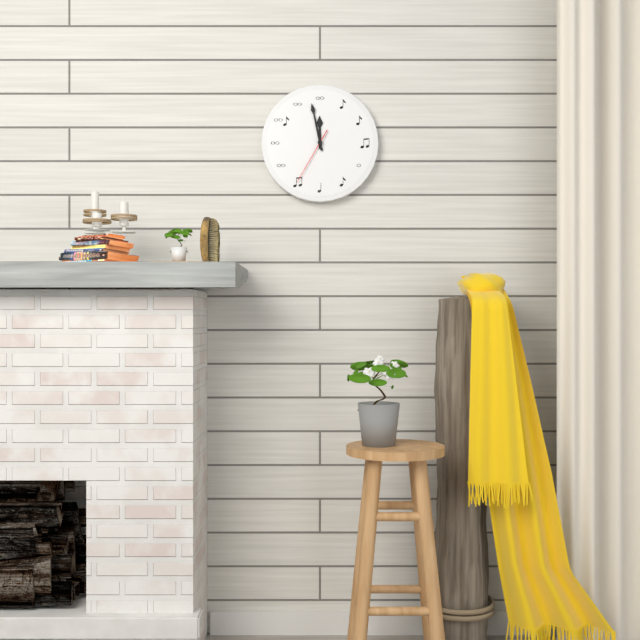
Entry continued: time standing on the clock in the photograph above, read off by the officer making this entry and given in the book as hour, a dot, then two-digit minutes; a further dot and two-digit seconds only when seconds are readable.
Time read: 11.58.35
